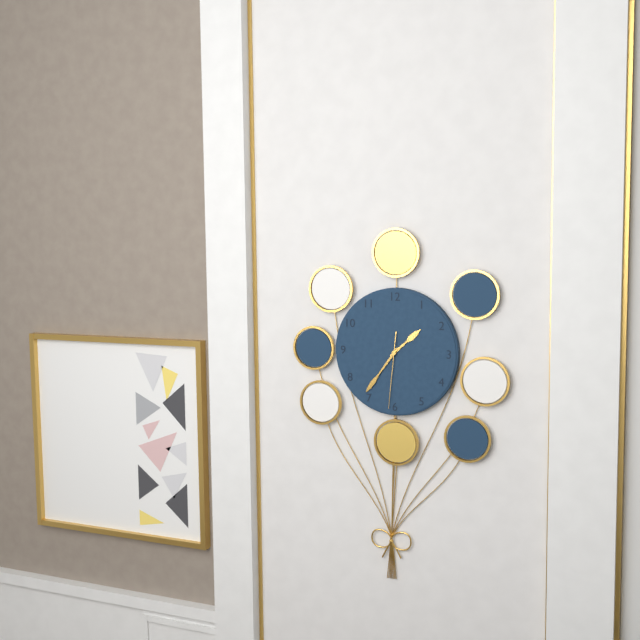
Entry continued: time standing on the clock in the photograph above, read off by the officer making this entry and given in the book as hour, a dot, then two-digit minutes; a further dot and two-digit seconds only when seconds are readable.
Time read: 1.36.31
